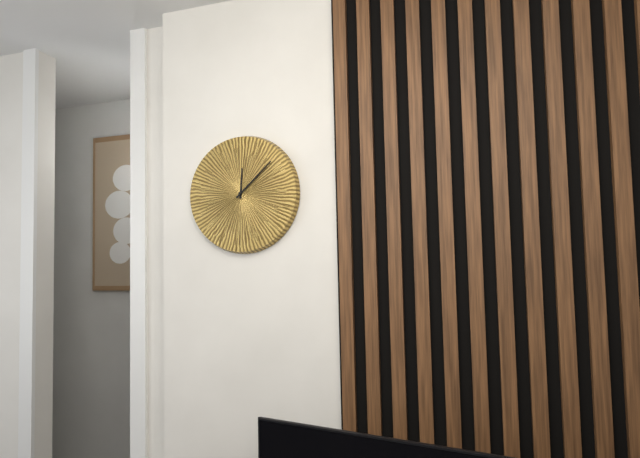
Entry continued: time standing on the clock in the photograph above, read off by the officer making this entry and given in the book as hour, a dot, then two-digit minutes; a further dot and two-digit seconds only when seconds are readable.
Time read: 12.08
